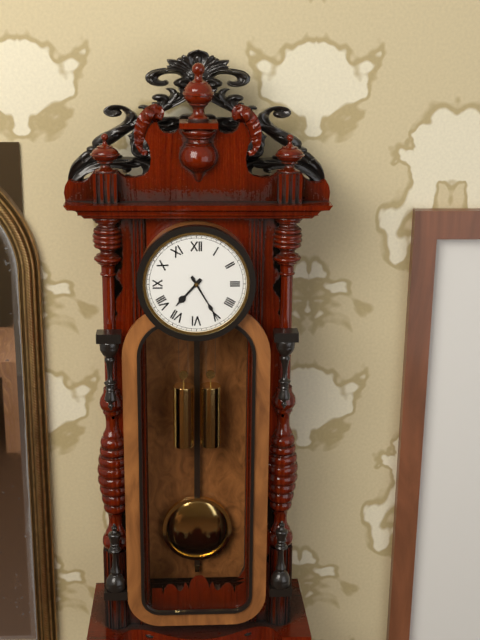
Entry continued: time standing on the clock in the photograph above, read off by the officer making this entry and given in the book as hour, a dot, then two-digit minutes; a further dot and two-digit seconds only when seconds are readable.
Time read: 7.25
